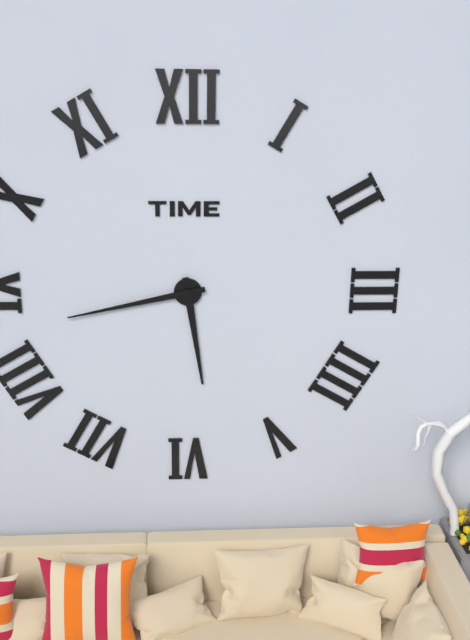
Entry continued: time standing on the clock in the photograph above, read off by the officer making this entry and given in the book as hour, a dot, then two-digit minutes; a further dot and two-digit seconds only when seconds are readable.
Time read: 5.43
